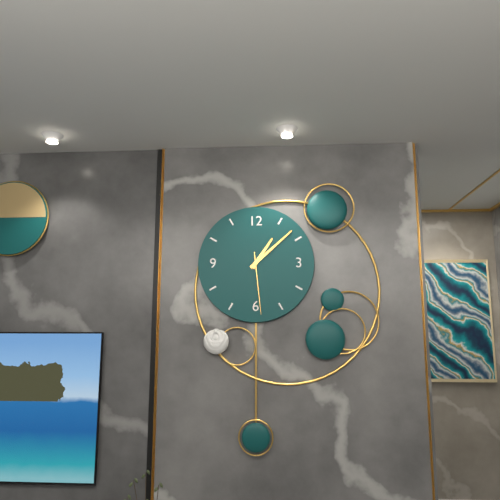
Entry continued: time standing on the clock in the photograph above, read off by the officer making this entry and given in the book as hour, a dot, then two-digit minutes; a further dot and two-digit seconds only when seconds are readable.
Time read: 1.08.29
